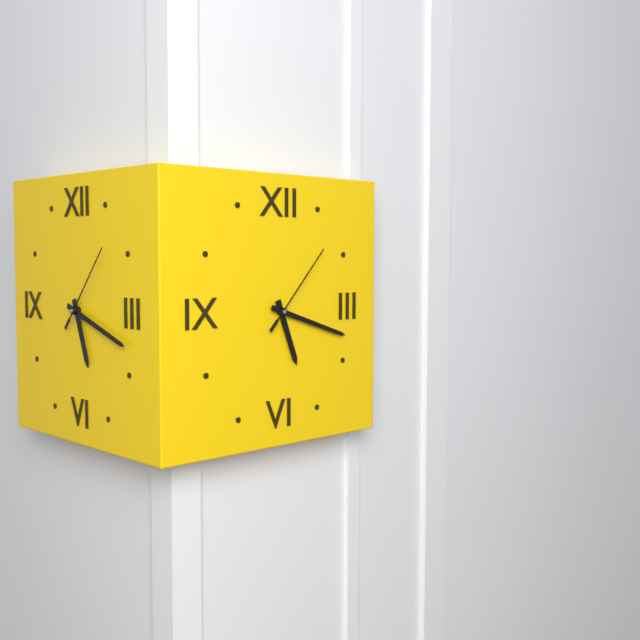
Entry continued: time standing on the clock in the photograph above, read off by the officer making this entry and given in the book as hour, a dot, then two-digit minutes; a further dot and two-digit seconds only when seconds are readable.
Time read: 5.18.07
